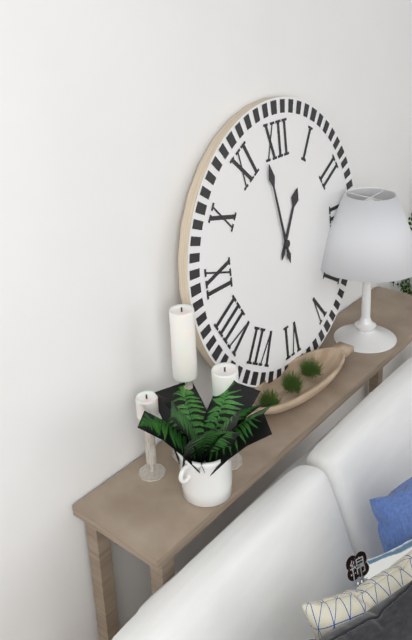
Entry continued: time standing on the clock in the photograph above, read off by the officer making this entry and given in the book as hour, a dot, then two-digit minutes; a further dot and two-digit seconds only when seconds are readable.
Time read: 12.58
